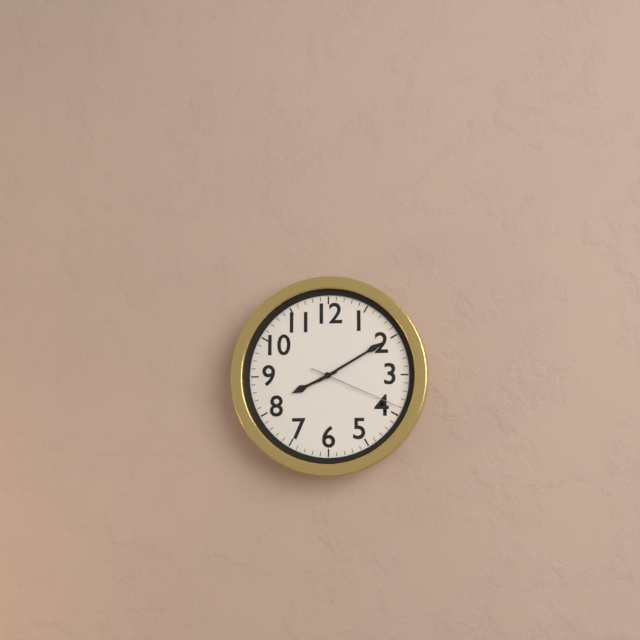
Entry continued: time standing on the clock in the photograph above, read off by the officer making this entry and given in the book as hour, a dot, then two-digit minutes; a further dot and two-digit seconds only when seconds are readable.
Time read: 8.10.19
